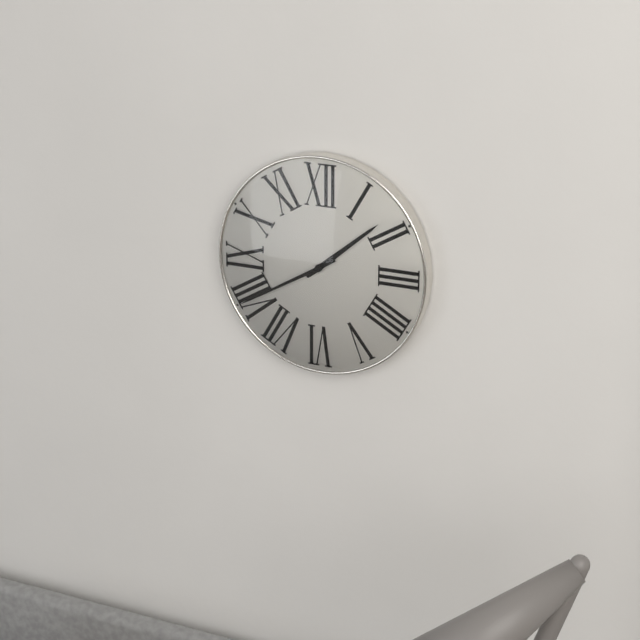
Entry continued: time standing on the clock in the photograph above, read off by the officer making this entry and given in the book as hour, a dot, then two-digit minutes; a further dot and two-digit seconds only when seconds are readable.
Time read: 1.40
